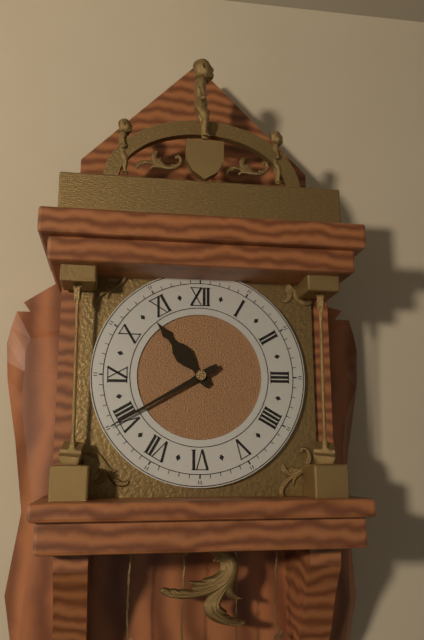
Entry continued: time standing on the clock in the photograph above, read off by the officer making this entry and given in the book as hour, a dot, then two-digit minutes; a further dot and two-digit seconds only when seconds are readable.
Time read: 10.40
